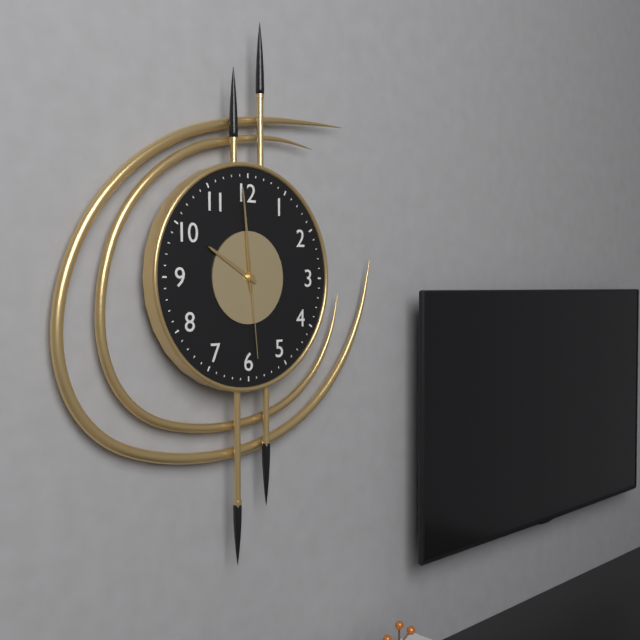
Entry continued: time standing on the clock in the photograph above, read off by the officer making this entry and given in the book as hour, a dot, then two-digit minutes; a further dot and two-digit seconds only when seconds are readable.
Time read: 9.59.29
